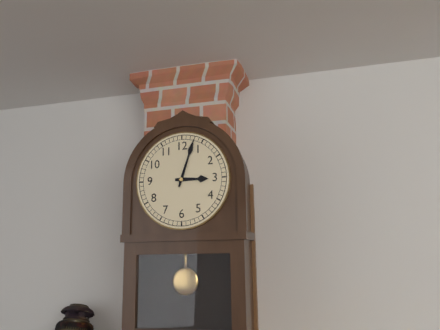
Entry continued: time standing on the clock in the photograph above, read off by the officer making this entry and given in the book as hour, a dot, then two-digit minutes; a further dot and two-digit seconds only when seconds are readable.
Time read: 3.03
